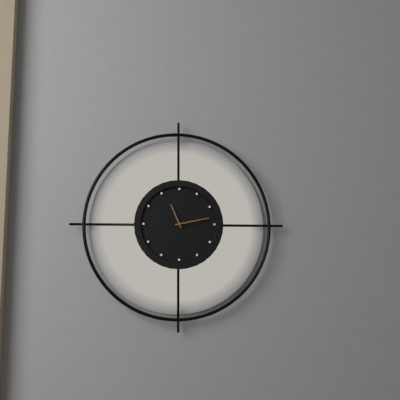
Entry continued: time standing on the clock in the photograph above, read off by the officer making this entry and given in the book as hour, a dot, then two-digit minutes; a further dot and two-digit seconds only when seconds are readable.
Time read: 11.13
